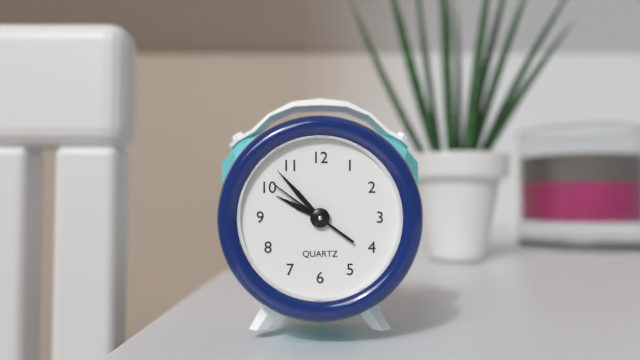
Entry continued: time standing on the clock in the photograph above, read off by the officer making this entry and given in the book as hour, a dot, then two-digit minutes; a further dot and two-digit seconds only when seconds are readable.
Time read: 9.53.51
